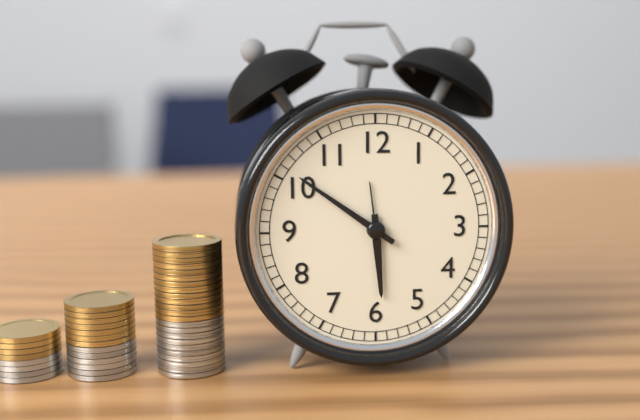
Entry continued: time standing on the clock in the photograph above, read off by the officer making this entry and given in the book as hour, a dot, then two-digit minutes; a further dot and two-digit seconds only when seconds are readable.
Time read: 5.51
